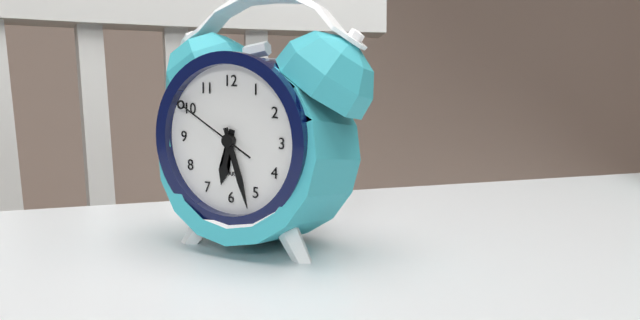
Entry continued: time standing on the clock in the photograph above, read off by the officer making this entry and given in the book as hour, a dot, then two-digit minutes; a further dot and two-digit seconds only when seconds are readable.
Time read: 6.27.50
